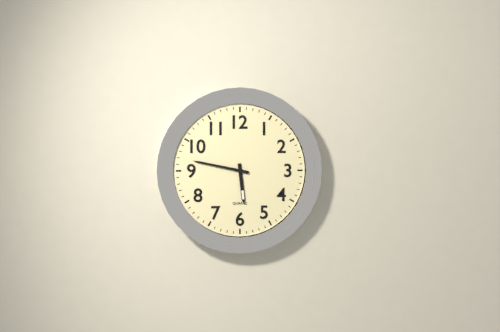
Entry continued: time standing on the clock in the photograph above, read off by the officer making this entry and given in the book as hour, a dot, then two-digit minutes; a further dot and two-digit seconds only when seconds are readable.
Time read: 5.47
